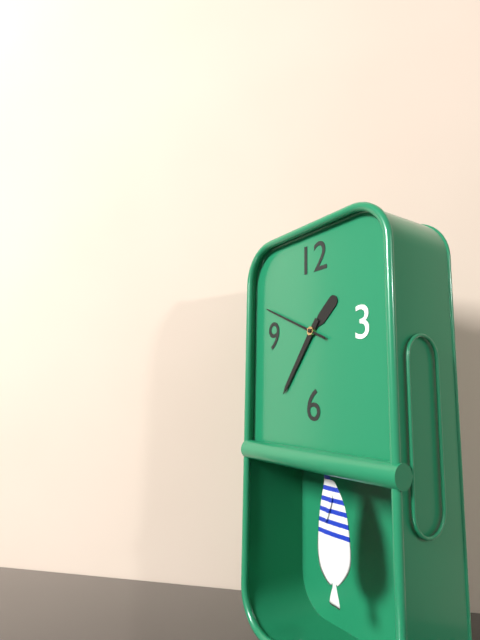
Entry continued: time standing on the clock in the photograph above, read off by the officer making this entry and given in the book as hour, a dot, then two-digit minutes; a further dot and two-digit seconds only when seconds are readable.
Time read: 1.36.49
